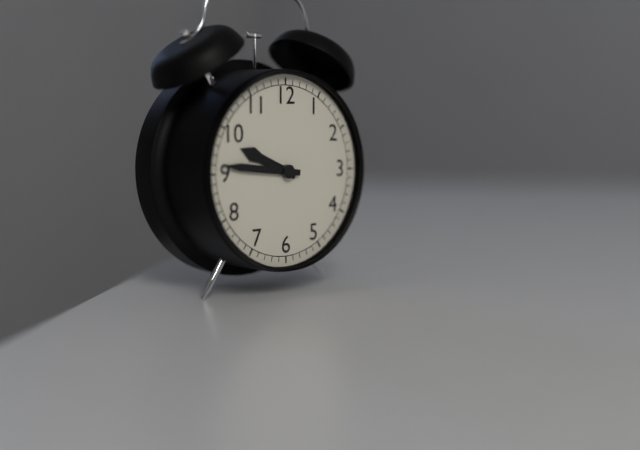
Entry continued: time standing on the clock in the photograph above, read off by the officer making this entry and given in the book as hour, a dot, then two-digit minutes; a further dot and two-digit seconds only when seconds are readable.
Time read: 9.46
